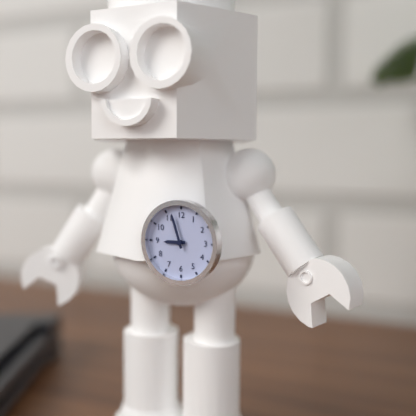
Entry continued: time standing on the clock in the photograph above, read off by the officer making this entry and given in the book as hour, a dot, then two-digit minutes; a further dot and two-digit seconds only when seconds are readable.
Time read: 8.57
